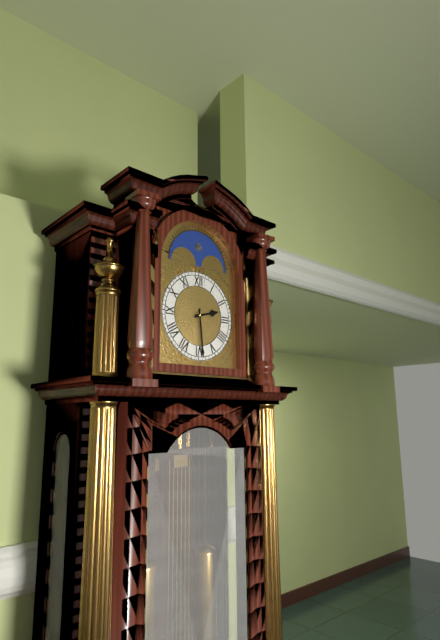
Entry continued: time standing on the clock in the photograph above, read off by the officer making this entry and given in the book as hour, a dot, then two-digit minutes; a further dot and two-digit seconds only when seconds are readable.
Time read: 2.29
